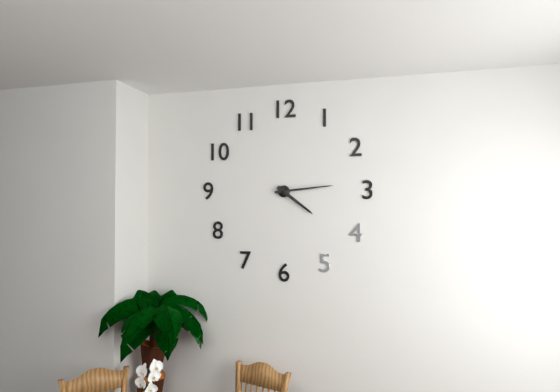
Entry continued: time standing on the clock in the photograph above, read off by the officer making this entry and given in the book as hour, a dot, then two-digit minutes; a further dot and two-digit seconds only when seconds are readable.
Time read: 4.14
